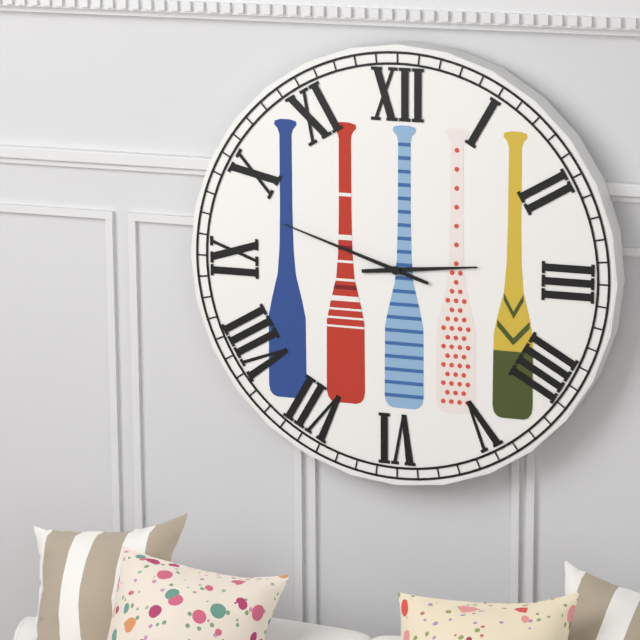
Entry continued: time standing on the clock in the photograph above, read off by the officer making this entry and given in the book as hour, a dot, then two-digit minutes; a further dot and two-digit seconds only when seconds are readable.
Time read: 2.48
